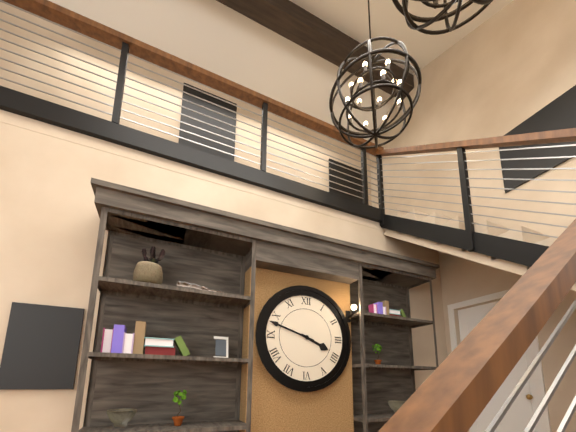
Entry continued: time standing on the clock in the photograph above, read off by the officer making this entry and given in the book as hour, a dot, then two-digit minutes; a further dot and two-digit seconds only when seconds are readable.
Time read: 3.48
